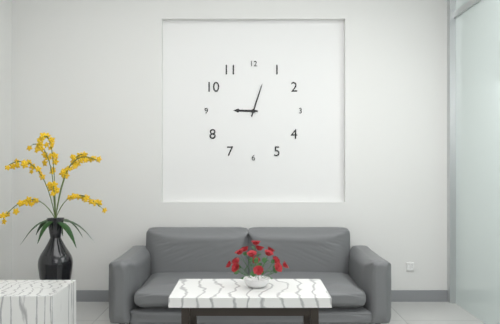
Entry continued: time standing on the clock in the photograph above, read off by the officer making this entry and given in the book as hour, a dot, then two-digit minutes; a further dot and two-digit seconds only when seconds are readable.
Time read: 9.03
